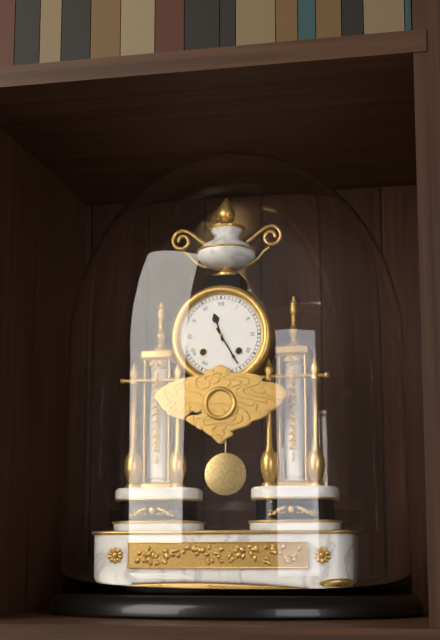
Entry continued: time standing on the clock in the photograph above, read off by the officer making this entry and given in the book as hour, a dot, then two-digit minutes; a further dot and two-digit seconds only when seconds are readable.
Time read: 11.25
